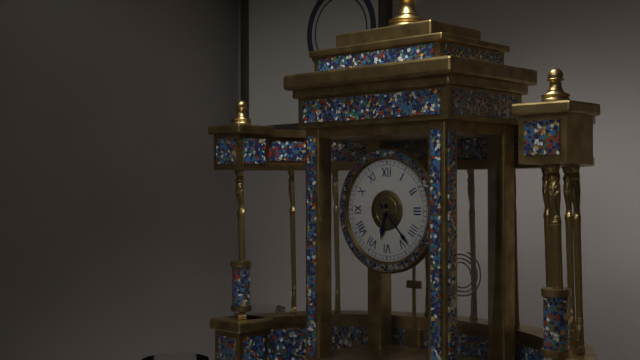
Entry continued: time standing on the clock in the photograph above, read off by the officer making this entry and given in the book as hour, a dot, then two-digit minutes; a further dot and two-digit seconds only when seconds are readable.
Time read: 6.23
